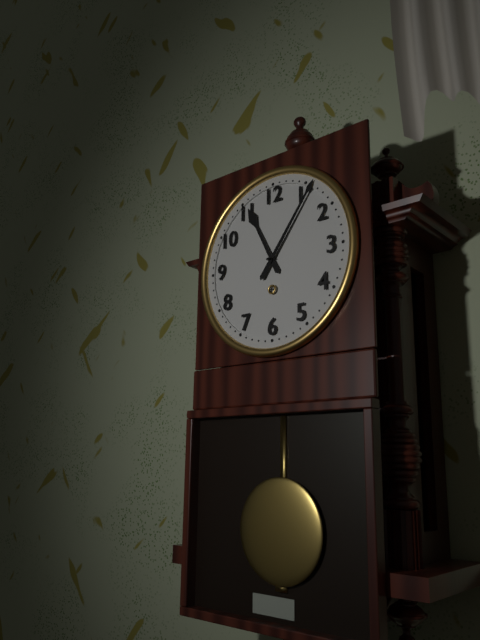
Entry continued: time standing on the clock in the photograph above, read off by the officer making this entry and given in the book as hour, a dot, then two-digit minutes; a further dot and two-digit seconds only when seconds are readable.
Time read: 11.06
